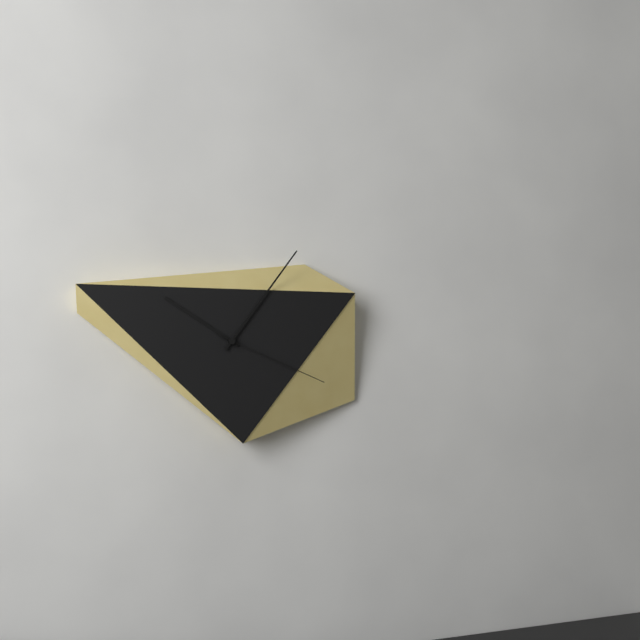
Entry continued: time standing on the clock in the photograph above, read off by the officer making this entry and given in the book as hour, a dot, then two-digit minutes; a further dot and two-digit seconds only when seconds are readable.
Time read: 10.06.19
